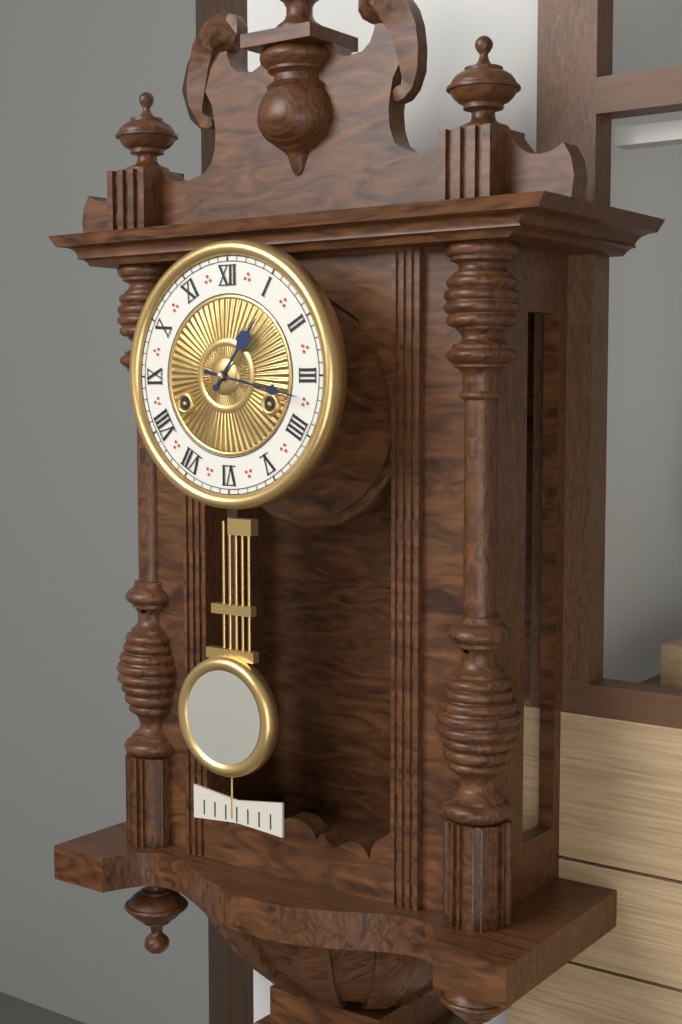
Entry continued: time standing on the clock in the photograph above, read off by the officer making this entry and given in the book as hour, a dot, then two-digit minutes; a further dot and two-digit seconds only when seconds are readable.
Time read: 1.17
